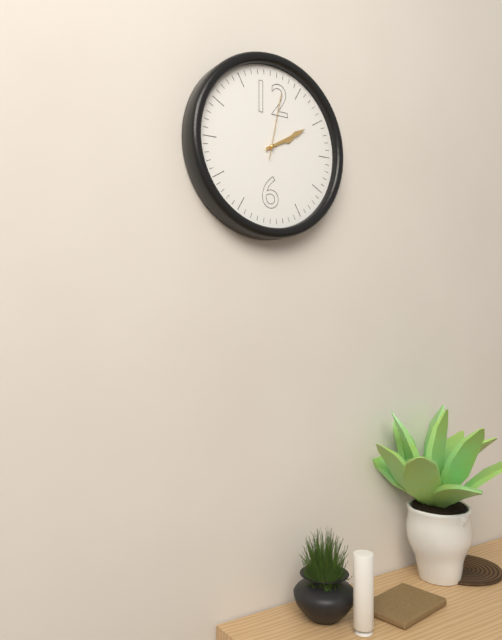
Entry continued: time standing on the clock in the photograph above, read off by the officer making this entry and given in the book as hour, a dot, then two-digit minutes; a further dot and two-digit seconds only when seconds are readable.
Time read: 2.10.02
